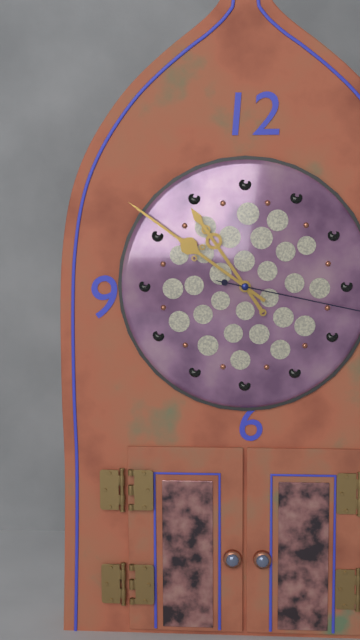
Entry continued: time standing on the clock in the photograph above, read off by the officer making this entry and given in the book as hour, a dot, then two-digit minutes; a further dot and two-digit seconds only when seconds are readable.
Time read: 10.51
